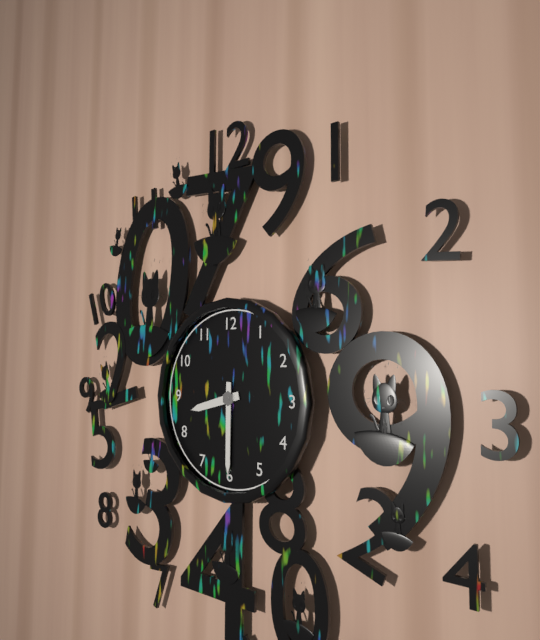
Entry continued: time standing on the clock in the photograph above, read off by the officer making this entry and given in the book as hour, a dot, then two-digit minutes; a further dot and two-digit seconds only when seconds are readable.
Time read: 8.30
